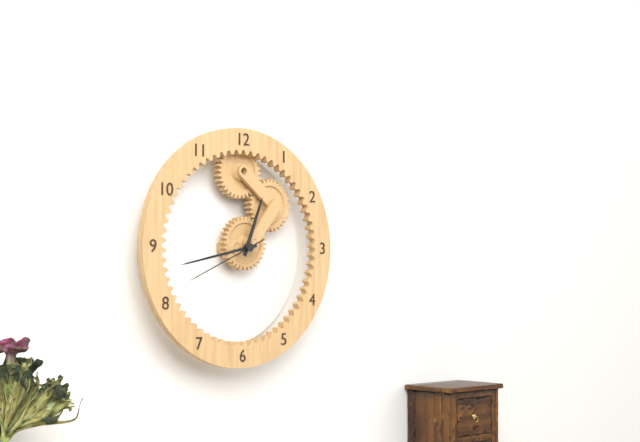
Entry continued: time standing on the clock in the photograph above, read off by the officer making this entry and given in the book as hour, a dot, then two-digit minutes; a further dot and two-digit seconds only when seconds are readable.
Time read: 12.43.41
